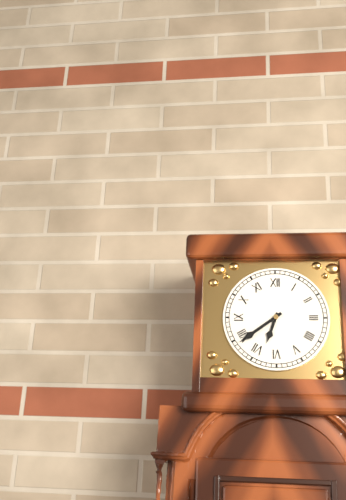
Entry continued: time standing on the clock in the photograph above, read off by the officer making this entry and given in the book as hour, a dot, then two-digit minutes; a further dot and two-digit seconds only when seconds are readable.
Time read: 6.39
